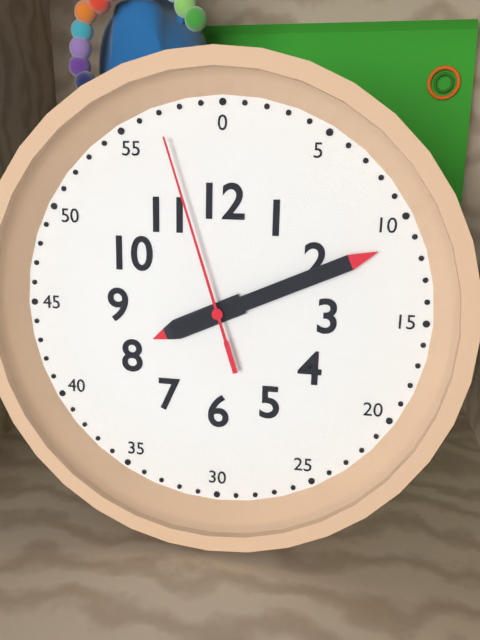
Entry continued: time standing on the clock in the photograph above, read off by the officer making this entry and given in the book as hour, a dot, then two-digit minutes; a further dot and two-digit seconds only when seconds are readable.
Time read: 8.11.57
